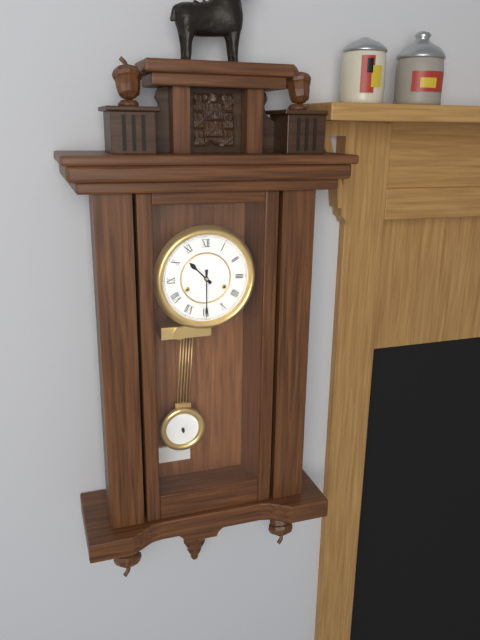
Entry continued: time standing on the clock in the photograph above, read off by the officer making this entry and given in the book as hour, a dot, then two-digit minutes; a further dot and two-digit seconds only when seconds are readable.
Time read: 10.30
